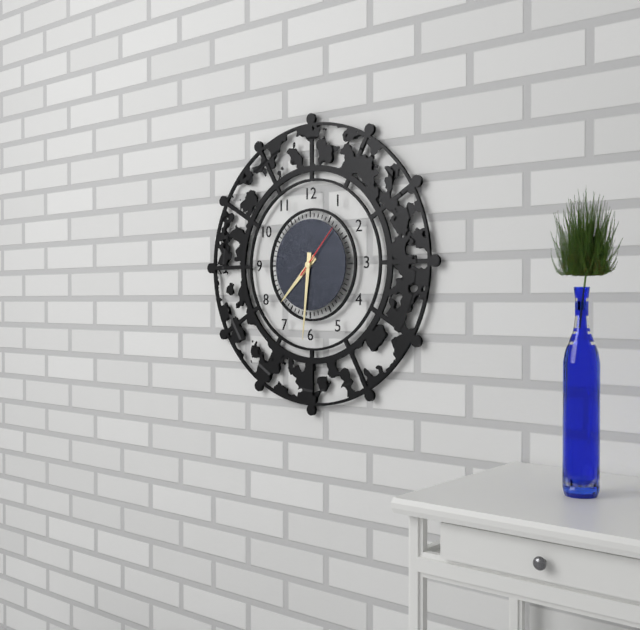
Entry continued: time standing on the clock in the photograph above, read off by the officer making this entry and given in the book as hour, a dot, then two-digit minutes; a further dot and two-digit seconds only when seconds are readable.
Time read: 7.31.07
